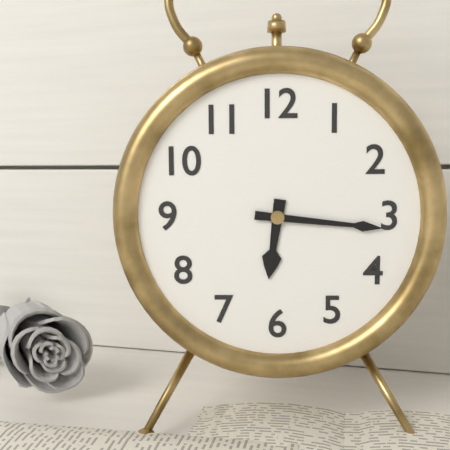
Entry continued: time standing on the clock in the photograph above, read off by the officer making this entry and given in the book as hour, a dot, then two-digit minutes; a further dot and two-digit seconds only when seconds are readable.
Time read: 6.16
